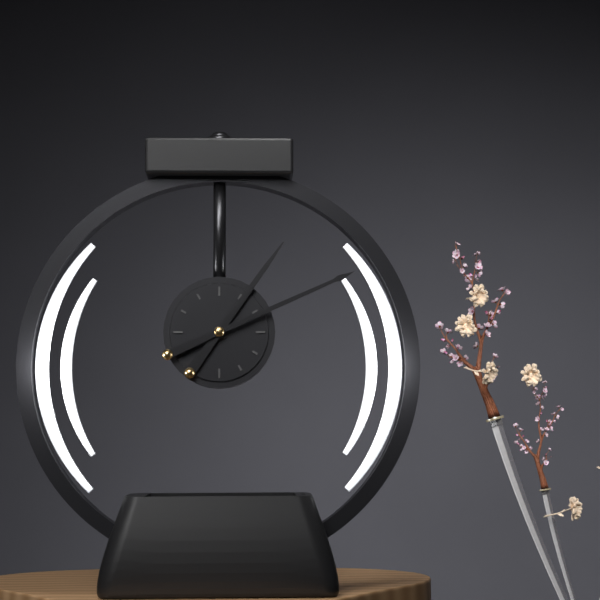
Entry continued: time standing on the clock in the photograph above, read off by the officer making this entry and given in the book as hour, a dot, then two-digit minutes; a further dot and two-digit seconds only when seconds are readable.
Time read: 1.11
